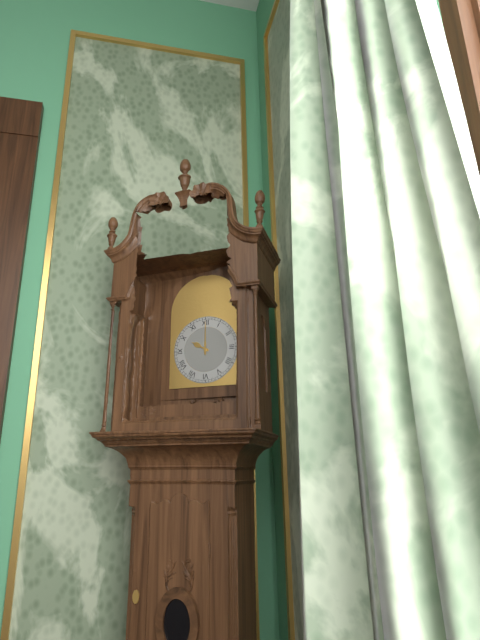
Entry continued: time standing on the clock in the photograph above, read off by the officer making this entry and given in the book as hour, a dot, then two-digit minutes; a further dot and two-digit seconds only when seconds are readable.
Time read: 10.00
